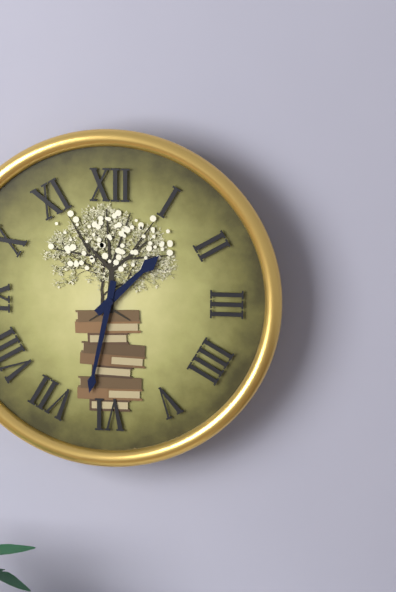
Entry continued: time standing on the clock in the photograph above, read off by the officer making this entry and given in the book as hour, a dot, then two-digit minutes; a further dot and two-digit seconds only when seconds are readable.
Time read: 1.32
